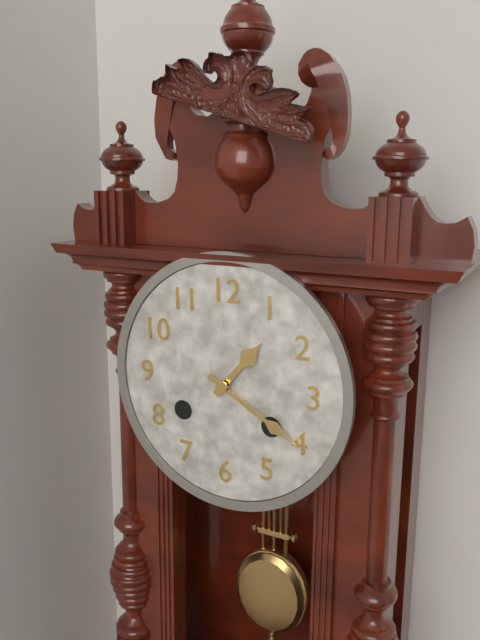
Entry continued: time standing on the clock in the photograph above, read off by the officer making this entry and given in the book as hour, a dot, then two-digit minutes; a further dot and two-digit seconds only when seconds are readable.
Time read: 1.20
